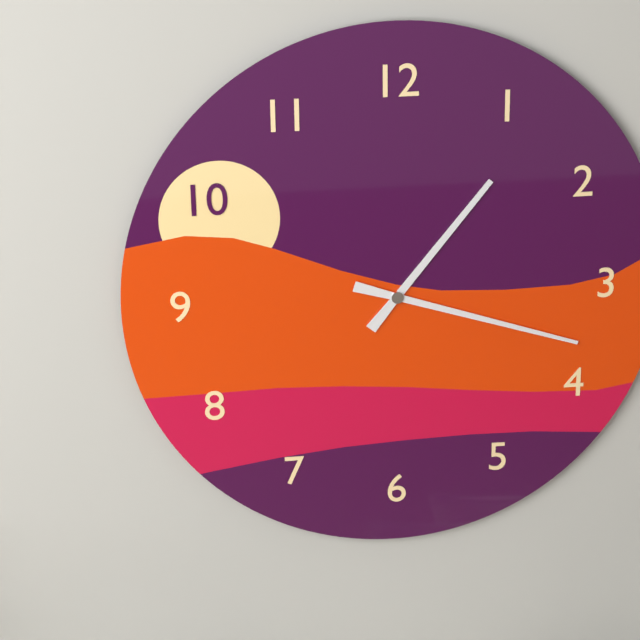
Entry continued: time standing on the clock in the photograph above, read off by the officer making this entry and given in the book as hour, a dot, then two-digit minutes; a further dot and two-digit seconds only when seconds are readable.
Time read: 1.18
